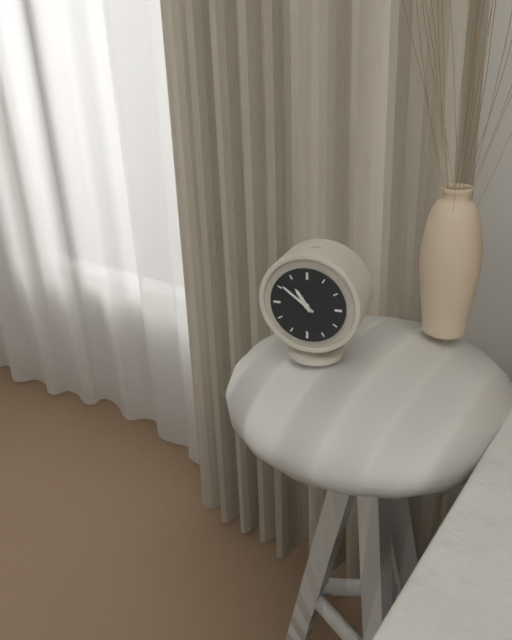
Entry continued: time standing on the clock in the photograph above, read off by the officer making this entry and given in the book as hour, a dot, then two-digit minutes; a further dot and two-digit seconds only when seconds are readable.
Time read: 10.51
